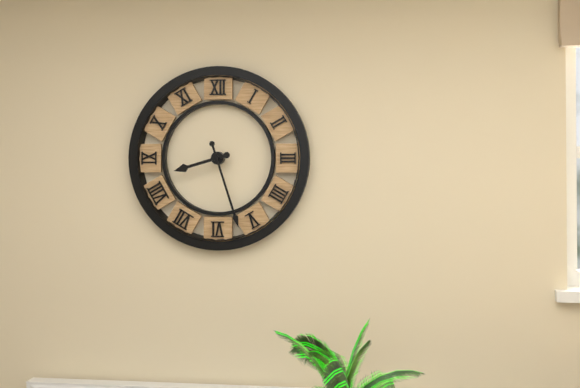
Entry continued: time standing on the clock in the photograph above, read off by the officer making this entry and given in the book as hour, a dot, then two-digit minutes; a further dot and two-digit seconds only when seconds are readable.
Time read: 8.27
